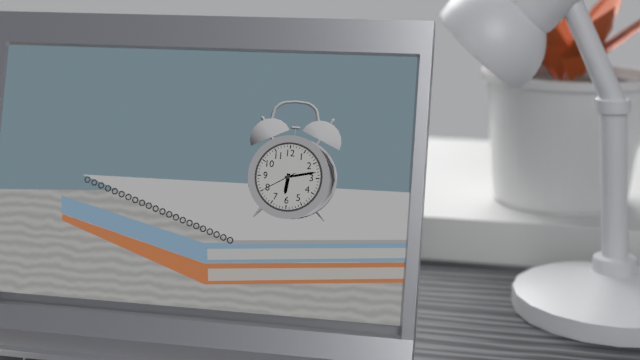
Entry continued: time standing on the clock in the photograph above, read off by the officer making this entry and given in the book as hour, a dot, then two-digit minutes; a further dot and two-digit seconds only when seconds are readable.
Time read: 6.13
